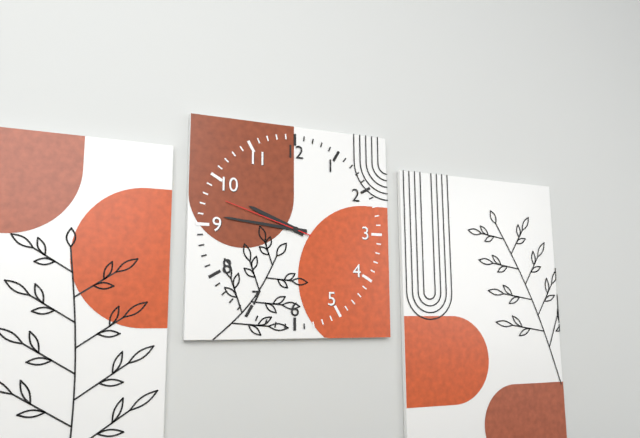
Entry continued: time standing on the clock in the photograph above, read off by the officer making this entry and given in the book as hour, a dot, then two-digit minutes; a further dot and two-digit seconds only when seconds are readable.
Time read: 9.46.48
